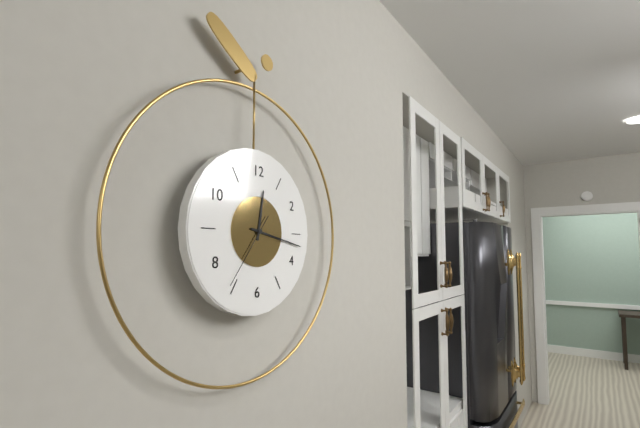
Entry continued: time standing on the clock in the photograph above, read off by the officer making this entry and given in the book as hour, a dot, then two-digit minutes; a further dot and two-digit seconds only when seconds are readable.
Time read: 12.17.36
